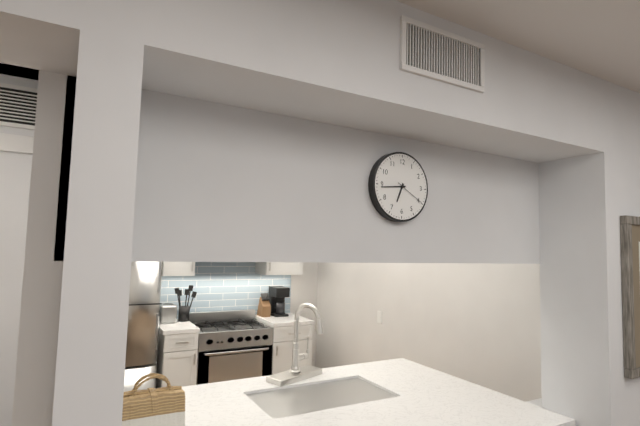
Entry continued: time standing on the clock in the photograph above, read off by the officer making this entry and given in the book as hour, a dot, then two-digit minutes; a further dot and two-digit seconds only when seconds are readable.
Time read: 6.44
